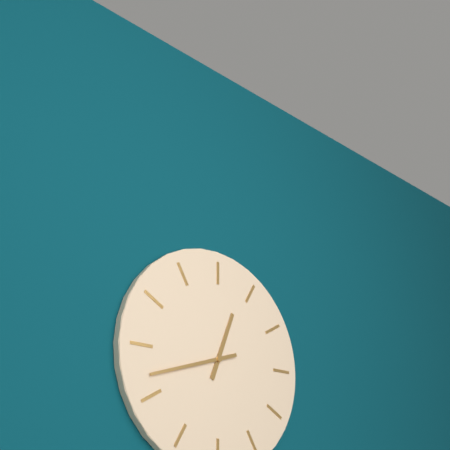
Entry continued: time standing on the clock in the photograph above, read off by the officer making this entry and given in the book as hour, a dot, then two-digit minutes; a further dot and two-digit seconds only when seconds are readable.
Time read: 12.42
